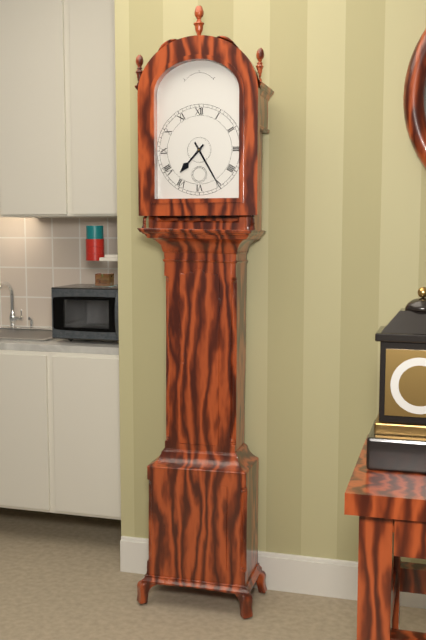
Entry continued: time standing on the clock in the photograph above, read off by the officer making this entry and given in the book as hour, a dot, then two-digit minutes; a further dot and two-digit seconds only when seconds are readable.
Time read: 7.25
